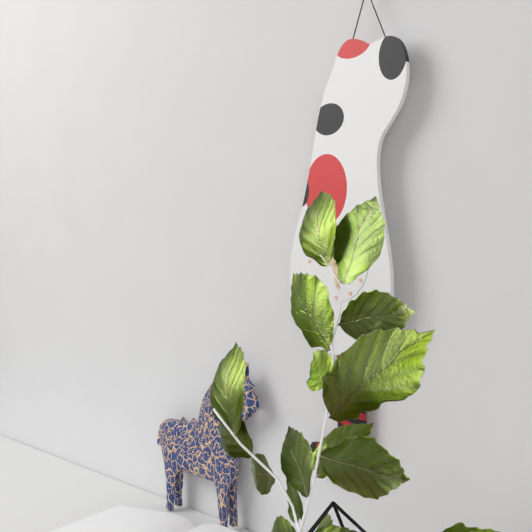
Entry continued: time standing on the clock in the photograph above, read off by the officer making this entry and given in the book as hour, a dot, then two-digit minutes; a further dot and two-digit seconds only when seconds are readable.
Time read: 5.47
